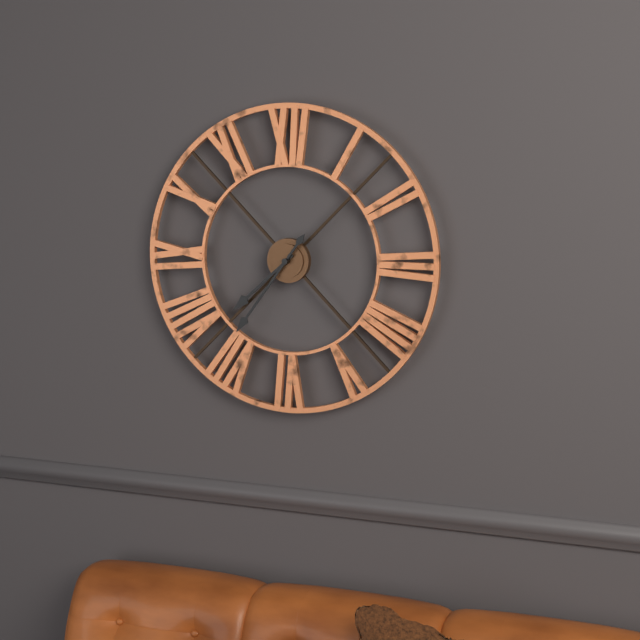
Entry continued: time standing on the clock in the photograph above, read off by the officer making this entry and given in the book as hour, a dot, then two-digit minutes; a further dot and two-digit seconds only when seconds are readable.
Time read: 7.36
